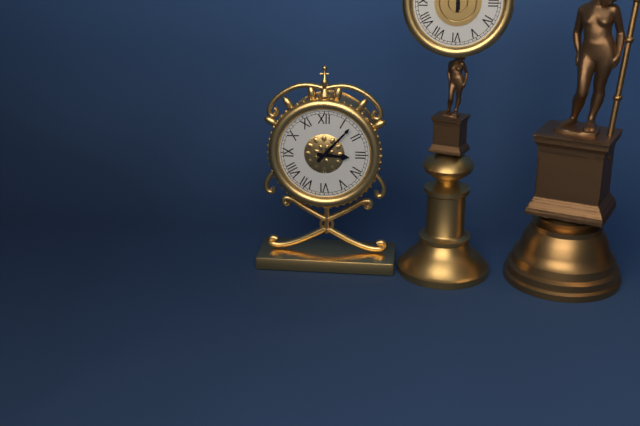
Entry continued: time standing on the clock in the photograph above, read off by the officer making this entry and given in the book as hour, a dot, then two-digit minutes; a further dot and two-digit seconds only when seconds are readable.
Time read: 3.07
